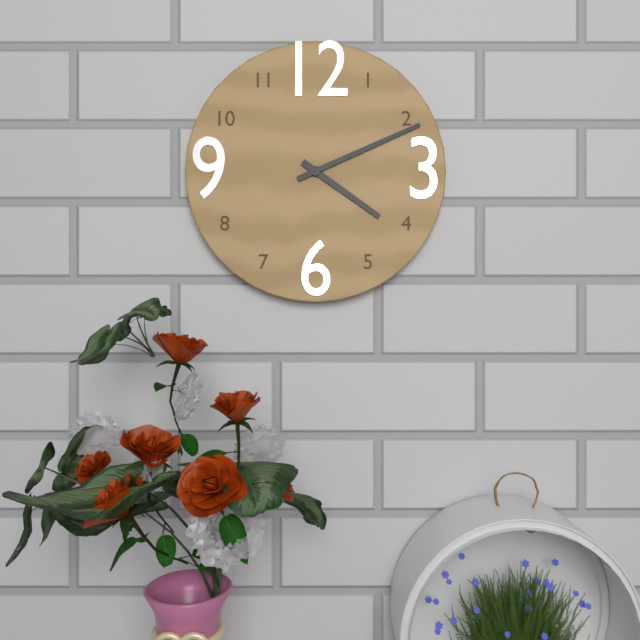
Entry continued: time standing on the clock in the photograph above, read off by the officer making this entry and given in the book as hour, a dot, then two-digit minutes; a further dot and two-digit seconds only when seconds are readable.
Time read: 4.11
